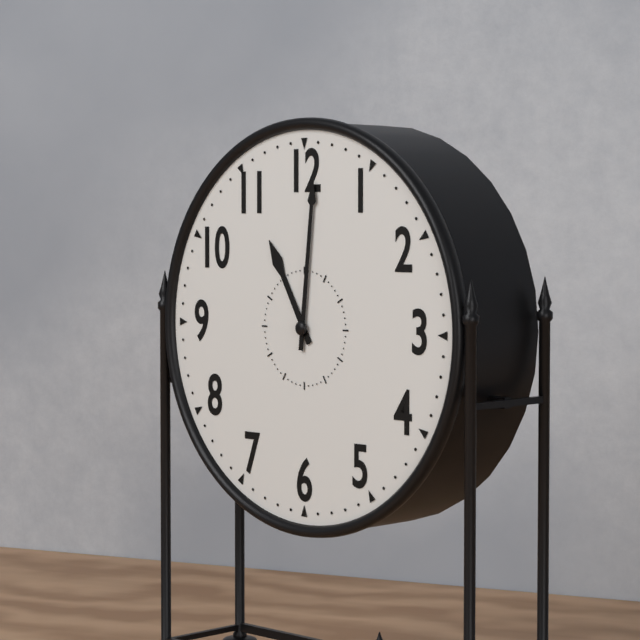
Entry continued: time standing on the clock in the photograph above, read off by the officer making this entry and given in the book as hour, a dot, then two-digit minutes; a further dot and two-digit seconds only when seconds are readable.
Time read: 11.01
